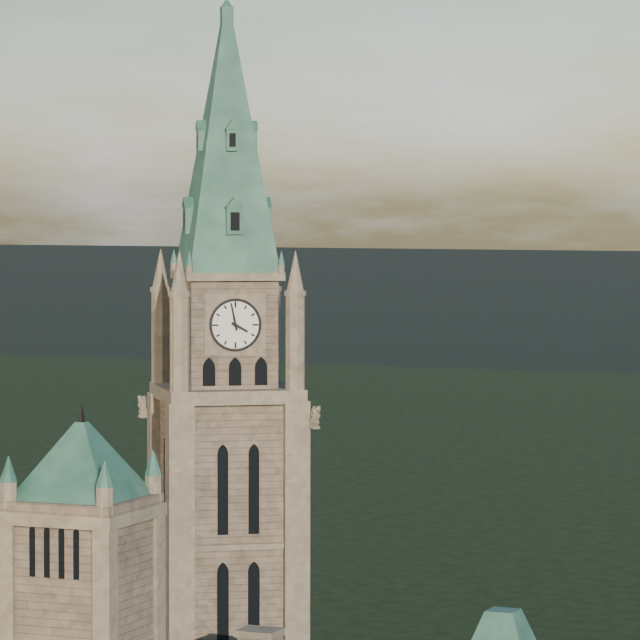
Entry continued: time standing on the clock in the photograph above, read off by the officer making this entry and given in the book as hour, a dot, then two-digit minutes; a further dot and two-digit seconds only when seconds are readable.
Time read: 3.58
